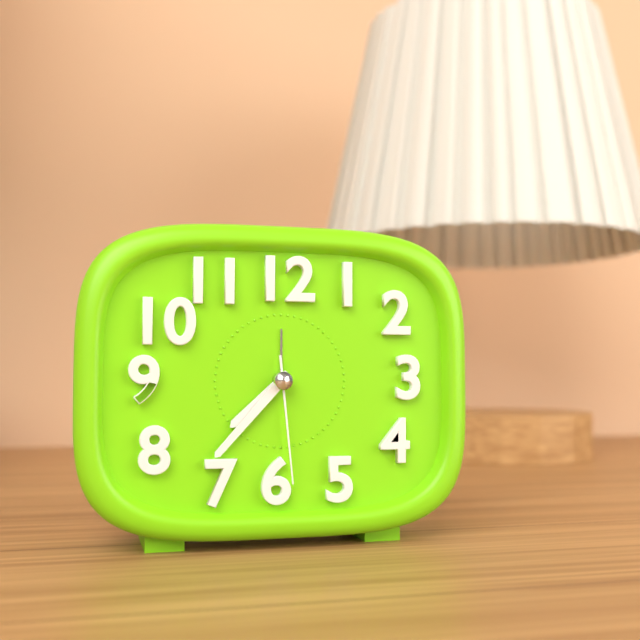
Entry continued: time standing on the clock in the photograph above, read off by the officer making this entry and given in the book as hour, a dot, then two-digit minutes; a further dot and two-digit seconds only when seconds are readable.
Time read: 7.37.29
